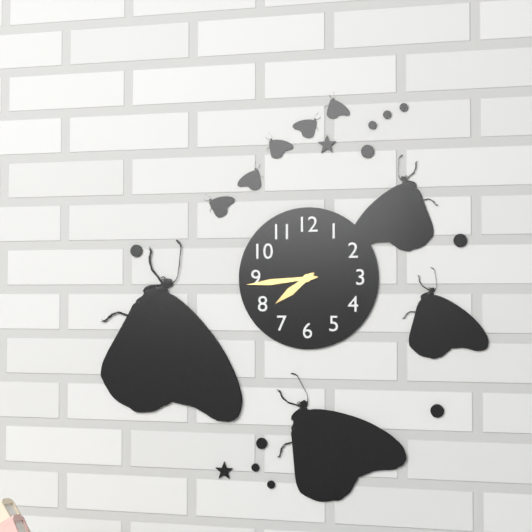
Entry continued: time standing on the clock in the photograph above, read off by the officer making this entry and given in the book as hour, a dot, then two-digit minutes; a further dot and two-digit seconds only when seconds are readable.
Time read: 7.44
